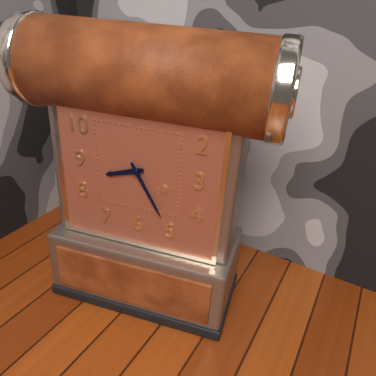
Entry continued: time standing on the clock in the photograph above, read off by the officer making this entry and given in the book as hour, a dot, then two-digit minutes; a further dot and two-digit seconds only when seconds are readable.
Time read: 8.25
